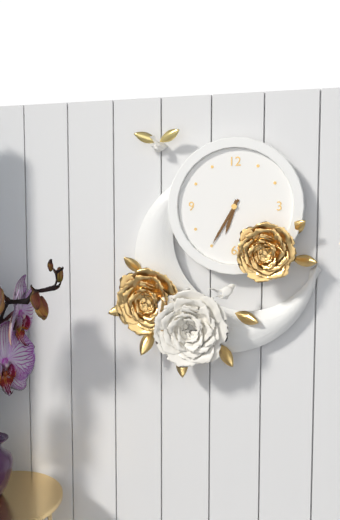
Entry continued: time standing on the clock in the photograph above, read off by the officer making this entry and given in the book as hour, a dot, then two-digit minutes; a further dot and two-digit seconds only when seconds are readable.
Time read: 6.35
